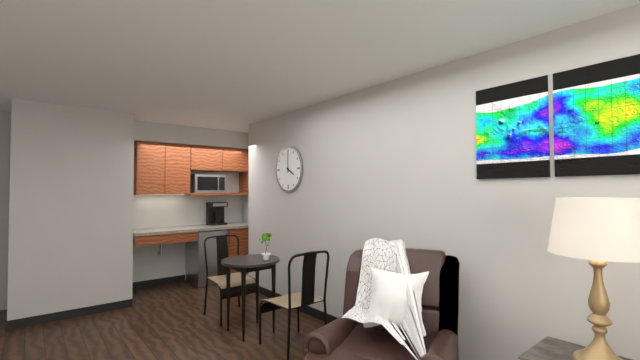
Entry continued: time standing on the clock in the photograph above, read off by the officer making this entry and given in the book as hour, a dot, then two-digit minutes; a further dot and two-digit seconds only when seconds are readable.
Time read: 4.00
